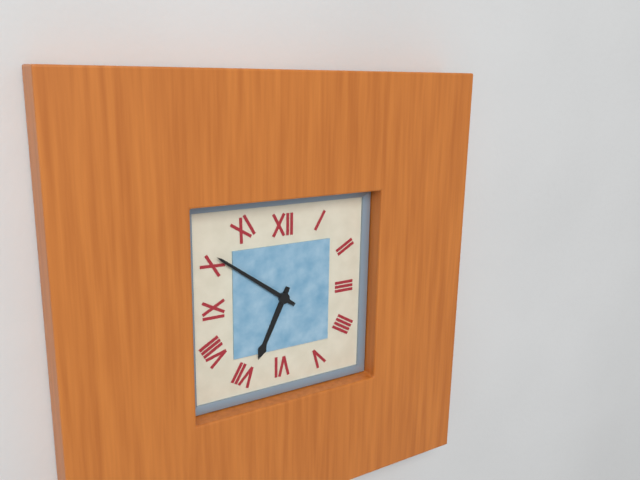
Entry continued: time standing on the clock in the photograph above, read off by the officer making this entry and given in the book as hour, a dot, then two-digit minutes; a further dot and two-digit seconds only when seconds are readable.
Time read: 6.51
